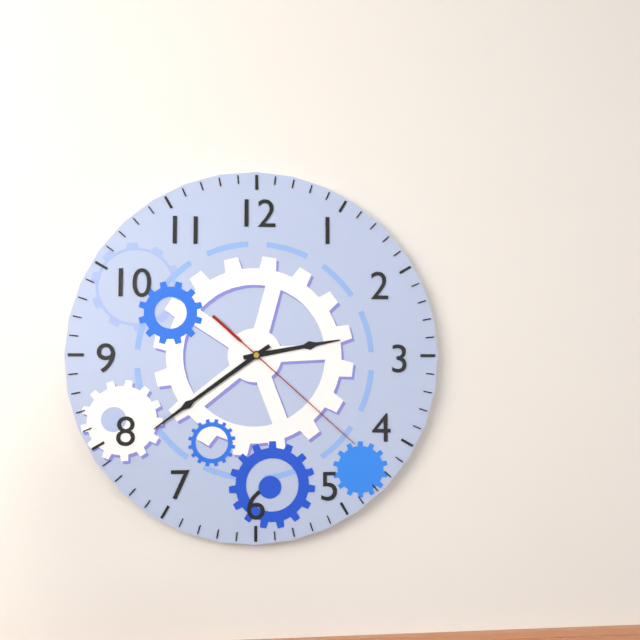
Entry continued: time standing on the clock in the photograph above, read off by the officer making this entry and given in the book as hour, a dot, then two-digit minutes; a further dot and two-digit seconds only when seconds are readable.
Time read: 2.39.22
